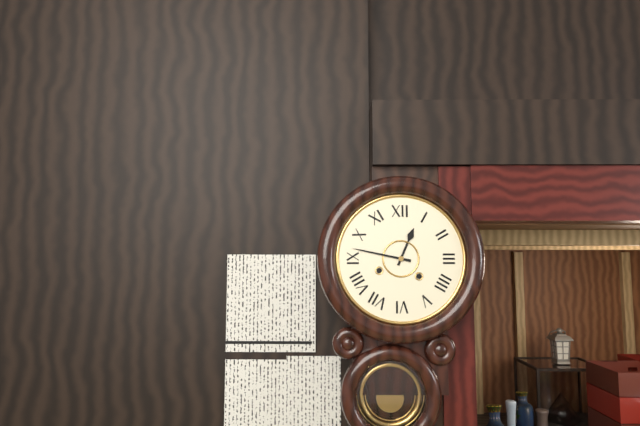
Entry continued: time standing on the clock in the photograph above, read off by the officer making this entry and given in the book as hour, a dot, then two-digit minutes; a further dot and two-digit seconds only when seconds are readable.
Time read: 12.47
